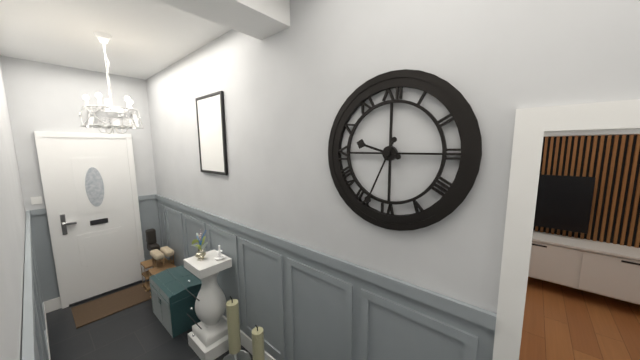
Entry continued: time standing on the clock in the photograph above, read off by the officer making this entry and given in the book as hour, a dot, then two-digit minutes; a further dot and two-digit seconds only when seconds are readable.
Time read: 9.34
